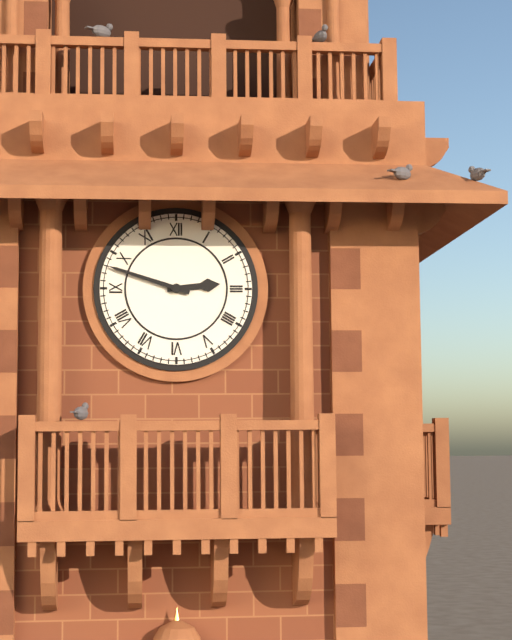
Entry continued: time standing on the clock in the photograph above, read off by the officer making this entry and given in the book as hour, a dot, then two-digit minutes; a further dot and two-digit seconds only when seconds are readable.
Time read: 2.48
